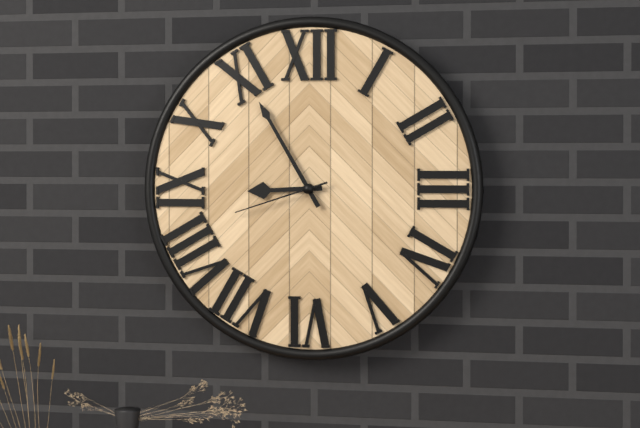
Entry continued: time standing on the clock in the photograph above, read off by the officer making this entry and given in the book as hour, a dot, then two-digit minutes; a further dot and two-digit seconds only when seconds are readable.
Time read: 8.55.42
